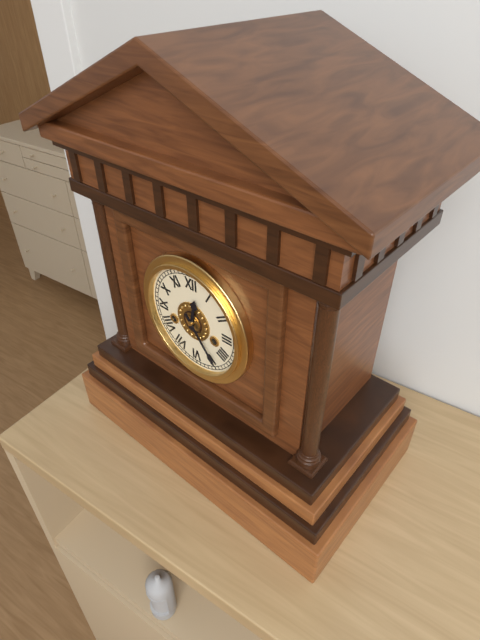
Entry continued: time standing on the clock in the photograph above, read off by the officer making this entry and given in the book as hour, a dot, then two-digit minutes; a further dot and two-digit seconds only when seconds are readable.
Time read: 12.24
